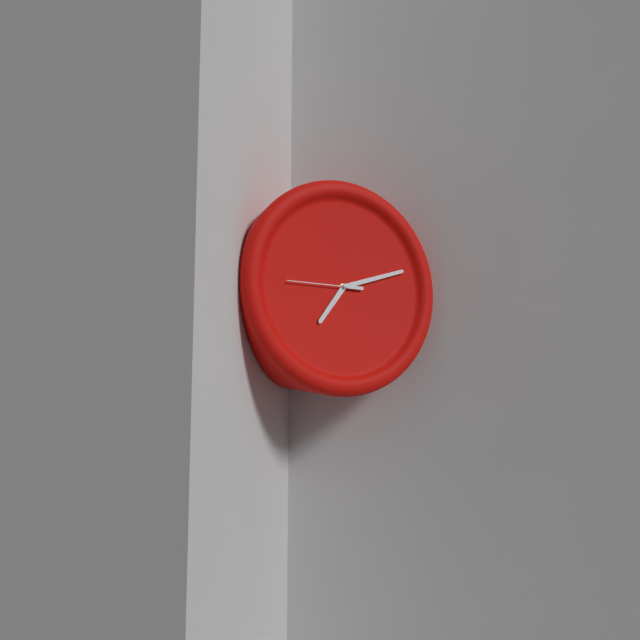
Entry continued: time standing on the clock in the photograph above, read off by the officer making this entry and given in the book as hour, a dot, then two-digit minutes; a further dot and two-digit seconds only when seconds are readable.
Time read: 7.12.45
